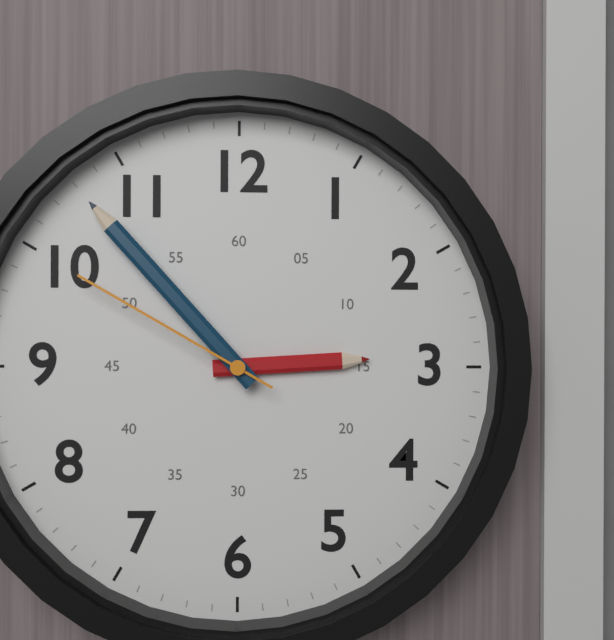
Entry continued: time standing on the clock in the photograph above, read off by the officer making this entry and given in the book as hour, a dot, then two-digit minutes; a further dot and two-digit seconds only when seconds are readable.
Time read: 2.53.50
